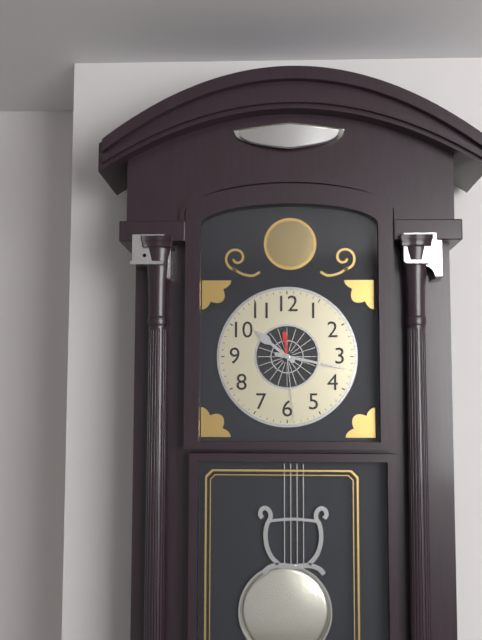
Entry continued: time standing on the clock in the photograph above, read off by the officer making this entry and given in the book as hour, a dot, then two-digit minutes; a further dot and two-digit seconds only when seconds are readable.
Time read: 10.17.29
